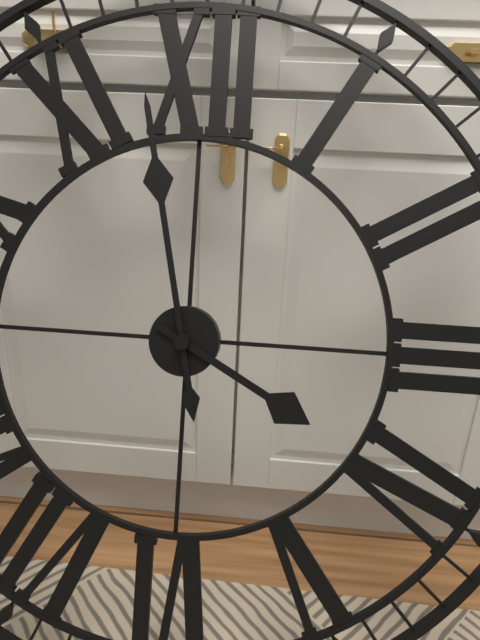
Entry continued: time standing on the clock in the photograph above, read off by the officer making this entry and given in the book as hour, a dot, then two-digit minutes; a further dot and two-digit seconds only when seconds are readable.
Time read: 3.58
